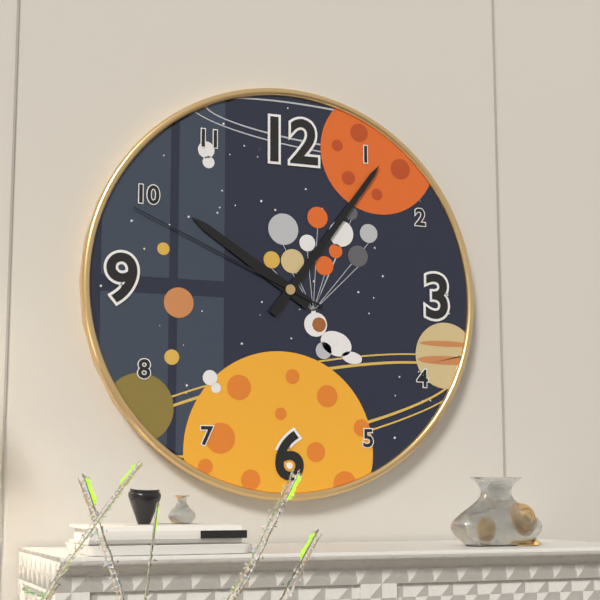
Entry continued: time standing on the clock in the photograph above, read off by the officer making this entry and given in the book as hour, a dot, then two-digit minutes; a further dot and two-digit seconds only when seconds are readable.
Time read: 10.06.49
